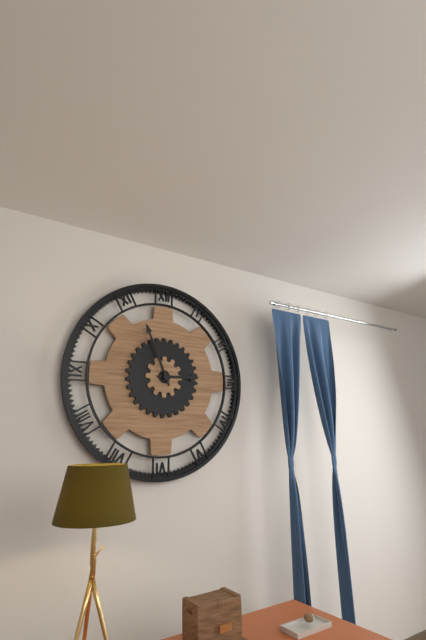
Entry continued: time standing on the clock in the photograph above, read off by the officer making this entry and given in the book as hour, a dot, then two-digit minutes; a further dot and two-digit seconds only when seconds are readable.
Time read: 2.56
